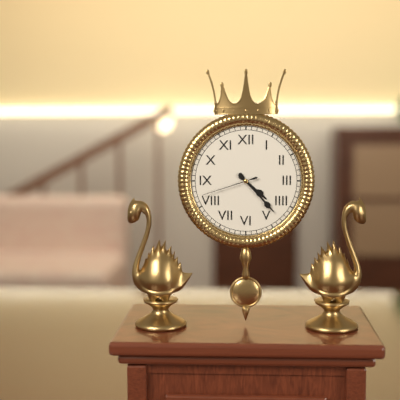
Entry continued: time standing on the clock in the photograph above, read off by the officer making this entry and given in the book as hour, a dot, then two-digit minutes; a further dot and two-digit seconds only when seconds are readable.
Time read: 4.23.42
